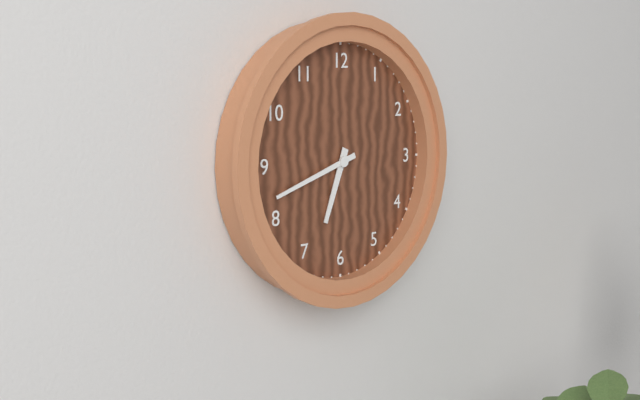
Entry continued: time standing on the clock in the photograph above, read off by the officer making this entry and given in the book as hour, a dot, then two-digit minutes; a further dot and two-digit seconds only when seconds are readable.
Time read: 6.42
